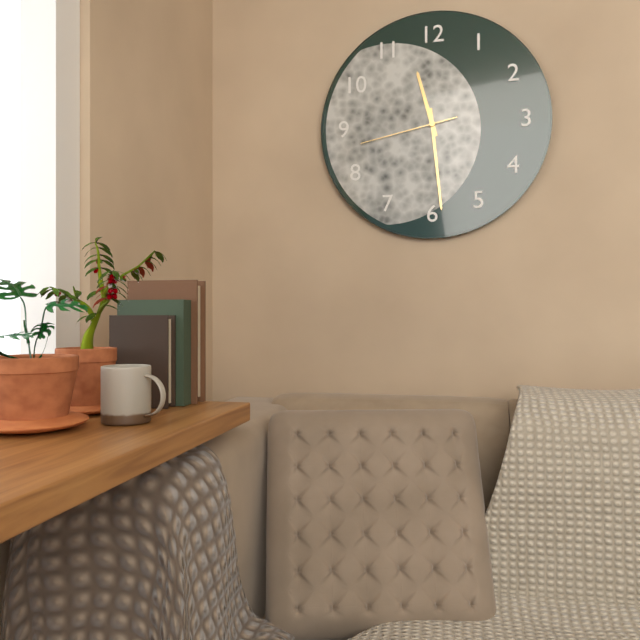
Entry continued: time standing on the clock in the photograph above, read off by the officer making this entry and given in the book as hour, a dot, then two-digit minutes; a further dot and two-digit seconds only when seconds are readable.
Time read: 11.29.43
